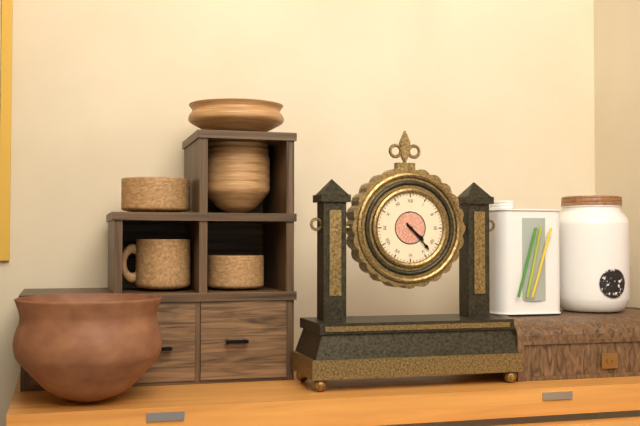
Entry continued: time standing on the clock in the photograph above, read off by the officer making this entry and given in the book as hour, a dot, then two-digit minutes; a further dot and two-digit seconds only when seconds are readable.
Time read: 4.23
